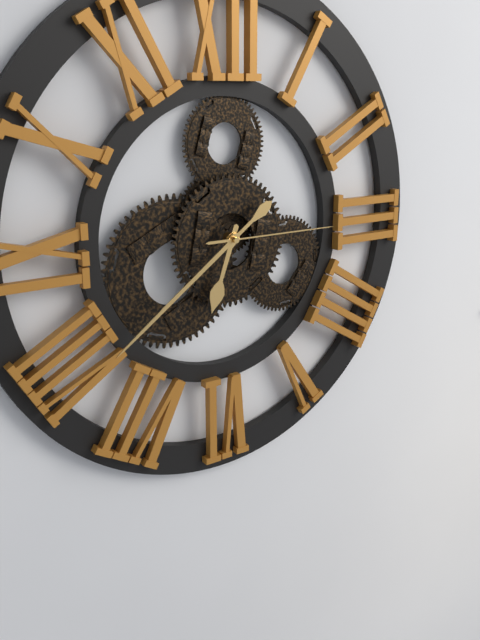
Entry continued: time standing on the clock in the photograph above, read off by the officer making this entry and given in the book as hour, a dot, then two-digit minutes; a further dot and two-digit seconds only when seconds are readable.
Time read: 6.39.15
